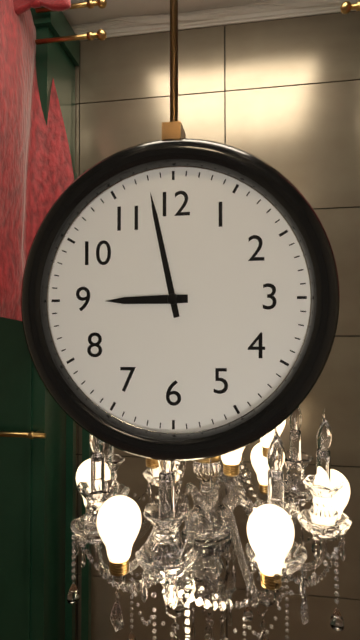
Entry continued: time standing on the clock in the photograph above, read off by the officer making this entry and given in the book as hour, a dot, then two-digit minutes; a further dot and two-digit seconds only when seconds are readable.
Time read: 8.58
